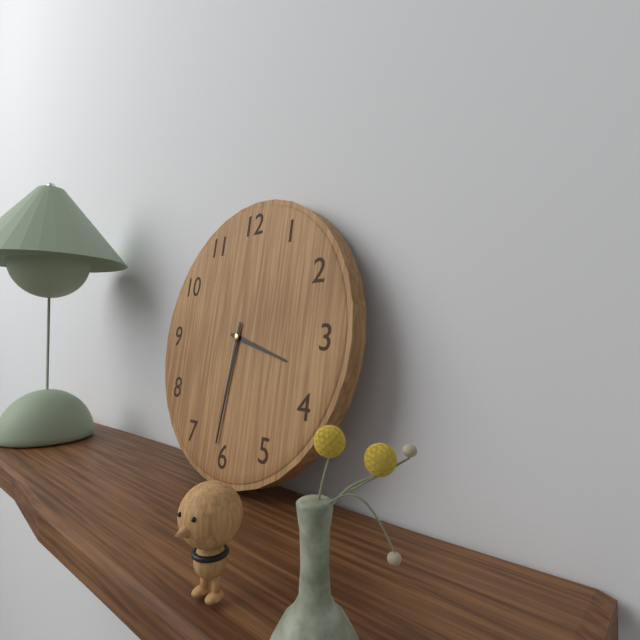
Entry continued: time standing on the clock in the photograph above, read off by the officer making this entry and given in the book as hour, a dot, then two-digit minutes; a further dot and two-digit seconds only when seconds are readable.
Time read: 3.31
